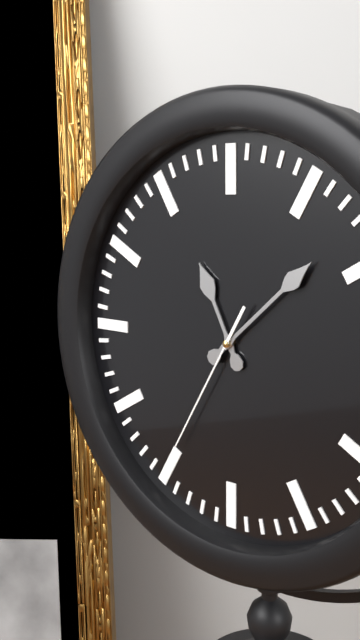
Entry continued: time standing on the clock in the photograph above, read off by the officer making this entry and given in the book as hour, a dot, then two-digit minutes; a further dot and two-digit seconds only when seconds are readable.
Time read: 11.08.35
